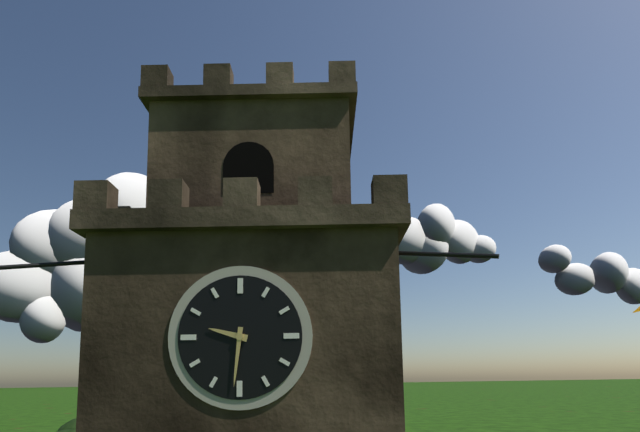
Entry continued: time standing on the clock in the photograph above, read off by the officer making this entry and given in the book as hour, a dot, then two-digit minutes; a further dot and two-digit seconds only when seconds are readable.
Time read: 9.31
